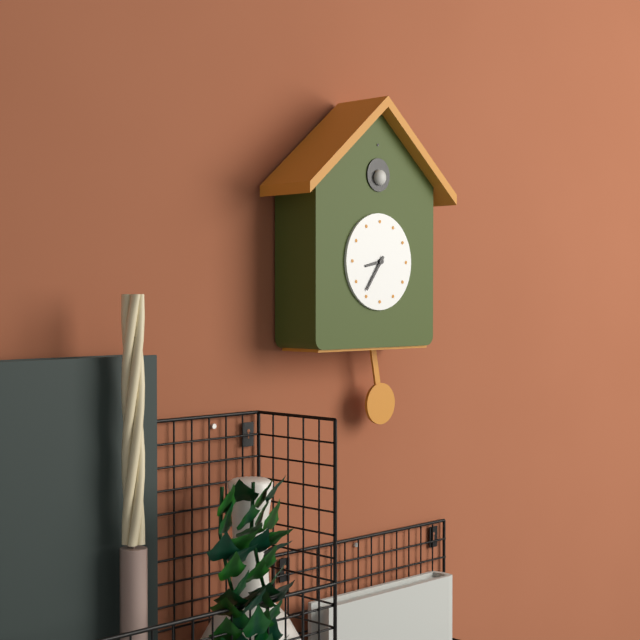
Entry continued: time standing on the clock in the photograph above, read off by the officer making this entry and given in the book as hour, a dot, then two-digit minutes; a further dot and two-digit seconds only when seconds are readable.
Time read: 8.36
